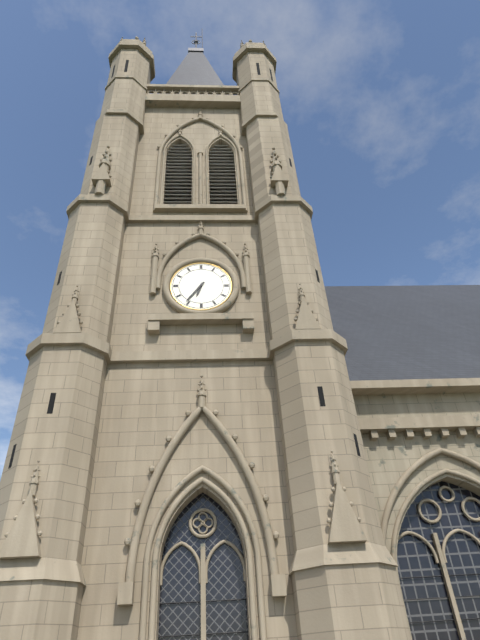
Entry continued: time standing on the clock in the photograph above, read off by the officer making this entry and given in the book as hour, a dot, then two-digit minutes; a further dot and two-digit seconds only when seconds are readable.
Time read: 6.36
